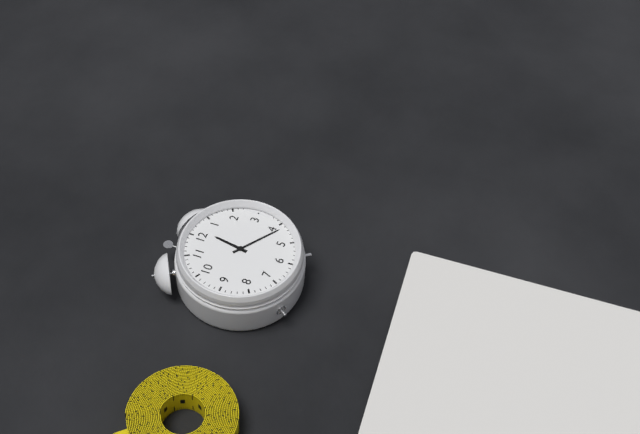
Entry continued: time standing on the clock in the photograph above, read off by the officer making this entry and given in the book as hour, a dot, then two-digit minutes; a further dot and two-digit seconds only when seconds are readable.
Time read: 12.21
